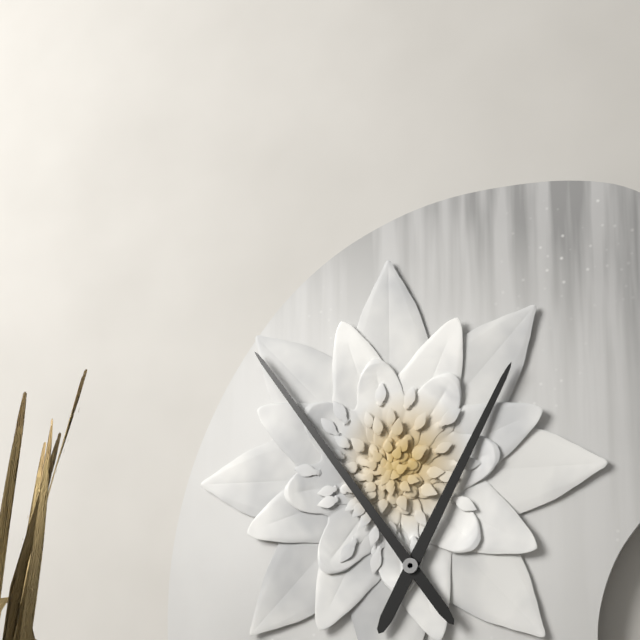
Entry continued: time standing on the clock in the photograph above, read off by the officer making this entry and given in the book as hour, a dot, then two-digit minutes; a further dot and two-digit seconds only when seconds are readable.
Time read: 12.54
